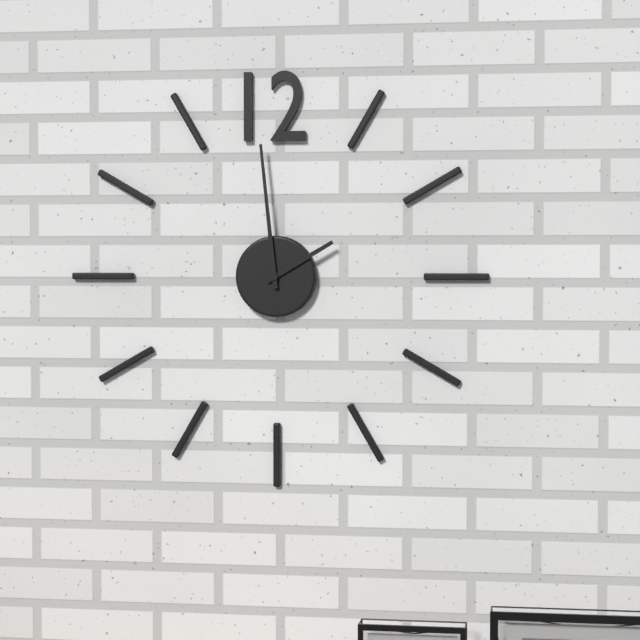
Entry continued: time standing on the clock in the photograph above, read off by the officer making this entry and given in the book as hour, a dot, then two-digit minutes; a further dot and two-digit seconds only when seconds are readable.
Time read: 1.59
